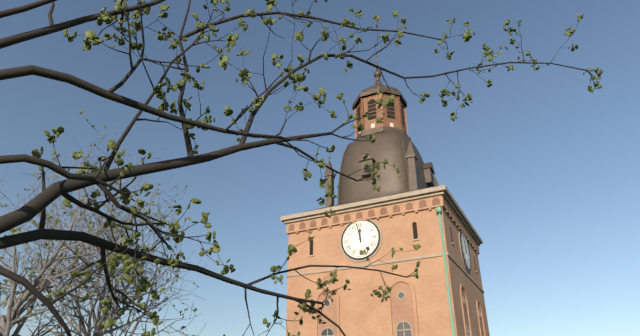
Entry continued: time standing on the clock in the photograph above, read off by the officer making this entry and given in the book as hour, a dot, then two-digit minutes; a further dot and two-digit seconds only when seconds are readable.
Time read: 11.58
